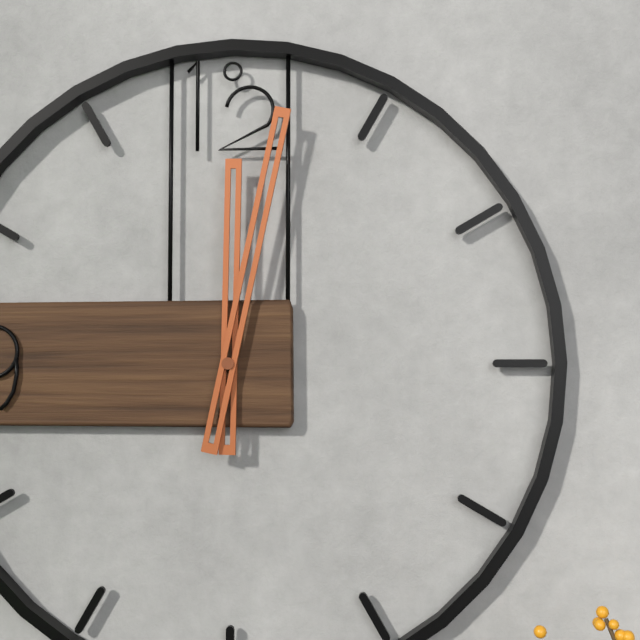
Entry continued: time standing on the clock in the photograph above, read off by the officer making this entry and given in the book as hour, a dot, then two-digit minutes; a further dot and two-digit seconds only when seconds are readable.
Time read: 12.02
